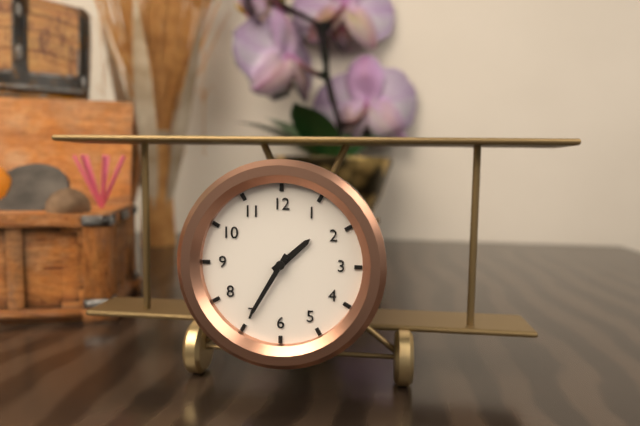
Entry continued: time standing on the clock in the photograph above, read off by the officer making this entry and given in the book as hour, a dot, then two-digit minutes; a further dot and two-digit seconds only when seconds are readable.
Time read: 1.35
